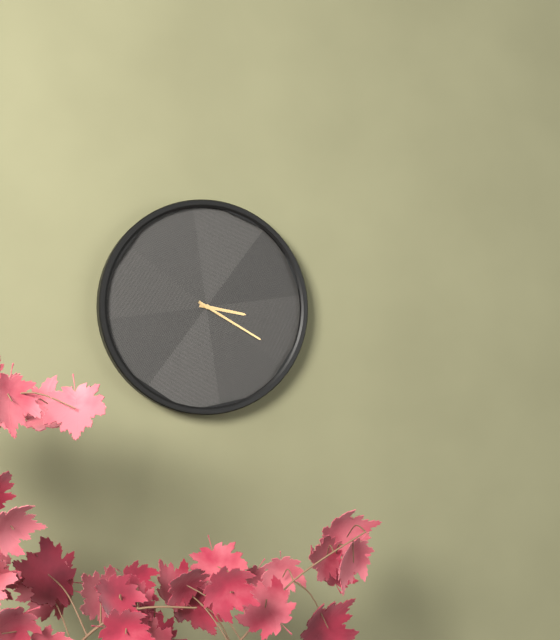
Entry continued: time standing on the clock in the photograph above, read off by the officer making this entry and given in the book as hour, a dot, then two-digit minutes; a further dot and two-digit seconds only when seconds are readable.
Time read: 3.20
